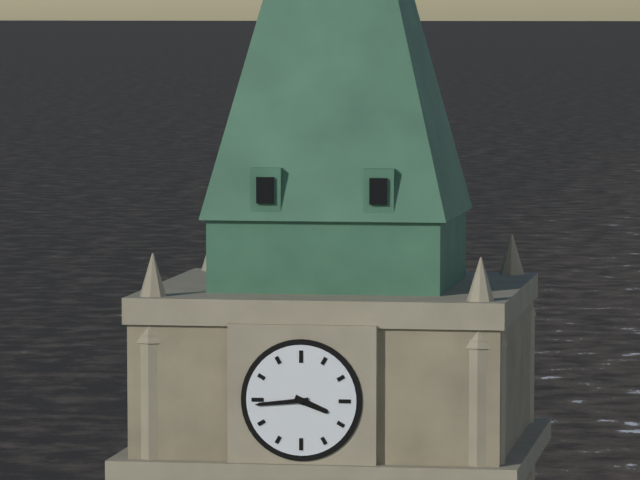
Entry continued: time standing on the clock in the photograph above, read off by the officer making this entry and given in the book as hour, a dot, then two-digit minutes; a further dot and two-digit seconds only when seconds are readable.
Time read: 3.44
